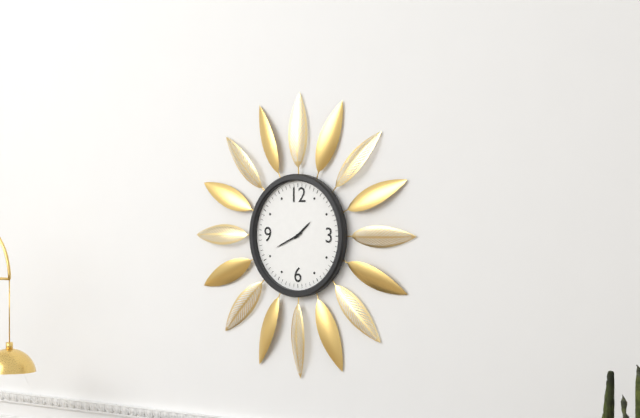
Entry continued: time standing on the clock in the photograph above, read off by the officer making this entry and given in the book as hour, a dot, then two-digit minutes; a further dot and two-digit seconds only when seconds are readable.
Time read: 1.41
